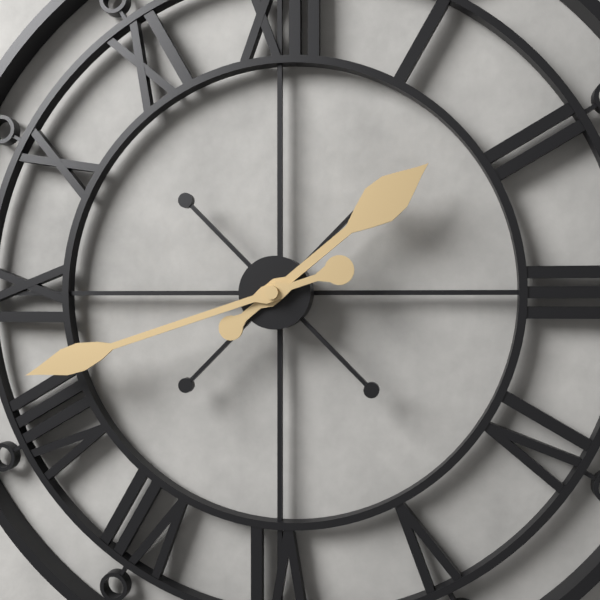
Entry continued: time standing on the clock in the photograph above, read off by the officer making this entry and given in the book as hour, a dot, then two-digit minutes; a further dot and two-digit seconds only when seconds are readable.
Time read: 1.42
